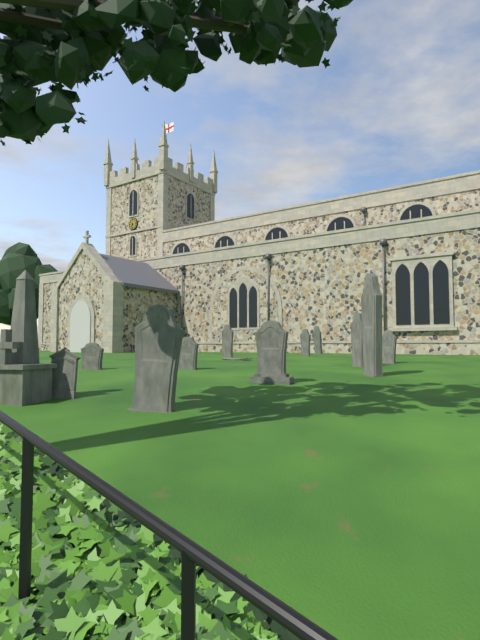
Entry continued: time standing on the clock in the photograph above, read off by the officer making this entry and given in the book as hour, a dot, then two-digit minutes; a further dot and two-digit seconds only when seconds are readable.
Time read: 6.53
